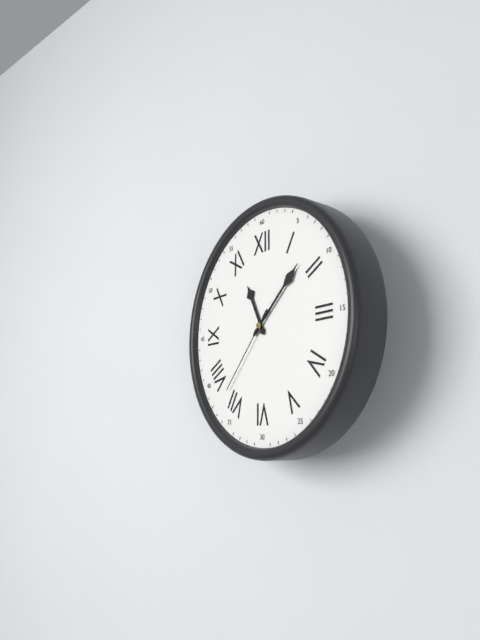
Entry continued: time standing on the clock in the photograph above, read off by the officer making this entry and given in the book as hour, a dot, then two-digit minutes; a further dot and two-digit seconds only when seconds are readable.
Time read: 11.08.37
